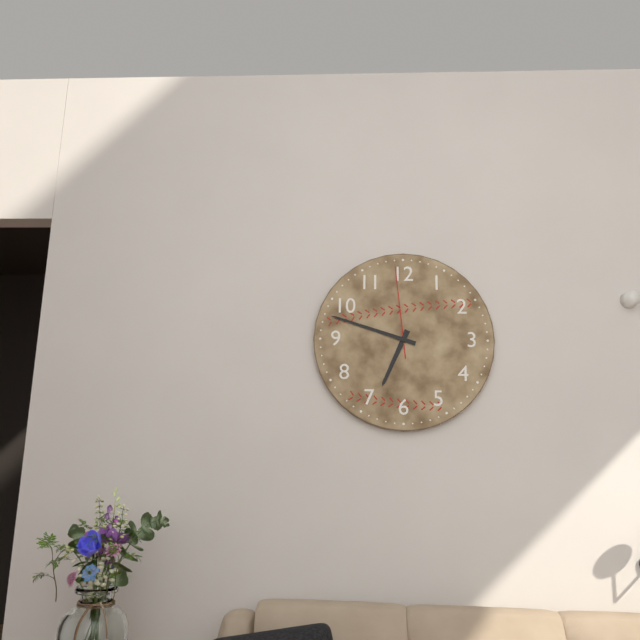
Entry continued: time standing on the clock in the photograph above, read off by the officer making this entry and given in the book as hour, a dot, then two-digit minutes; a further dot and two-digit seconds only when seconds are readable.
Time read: 6.48.59
